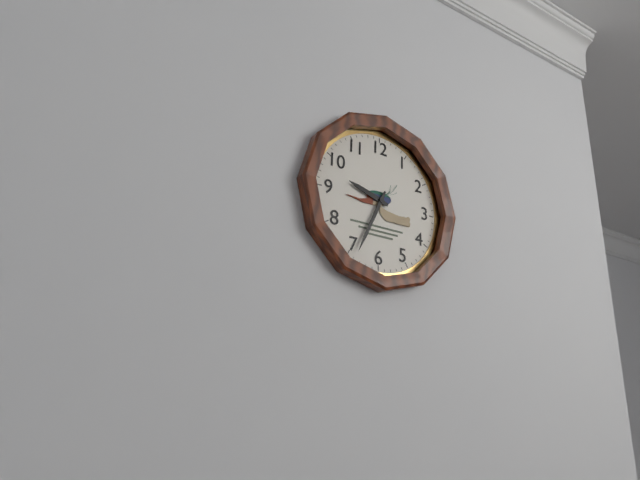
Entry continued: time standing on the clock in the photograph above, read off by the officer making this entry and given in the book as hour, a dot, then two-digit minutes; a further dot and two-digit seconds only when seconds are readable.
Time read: 9.34
